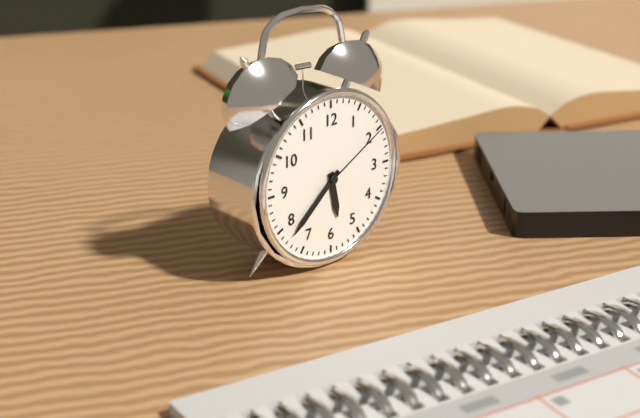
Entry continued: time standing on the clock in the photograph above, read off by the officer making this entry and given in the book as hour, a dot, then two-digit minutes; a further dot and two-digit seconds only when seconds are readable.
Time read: 5.38.10
